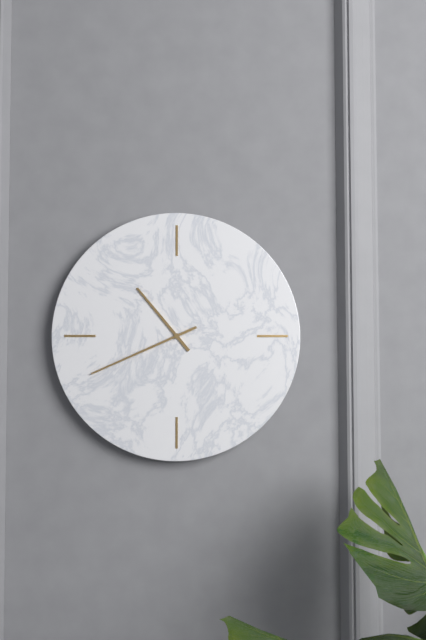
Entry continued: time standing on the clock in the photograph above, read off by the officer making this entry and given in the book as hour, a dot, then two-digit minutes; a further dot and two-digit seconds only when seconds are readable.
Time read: 10.41
